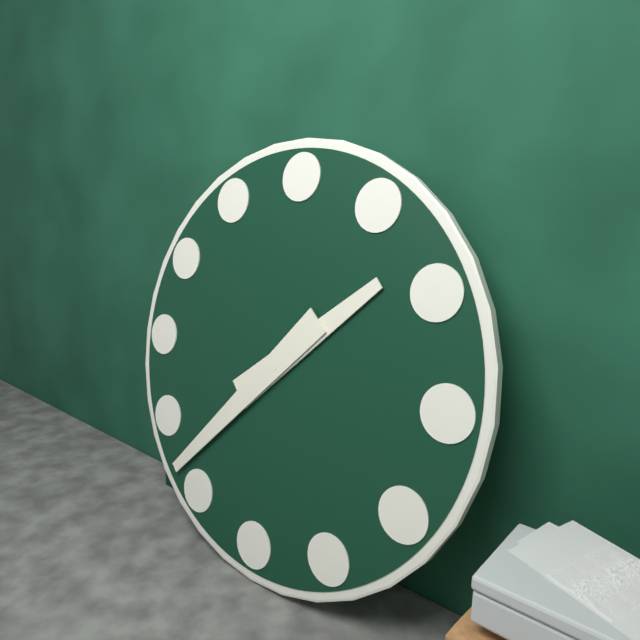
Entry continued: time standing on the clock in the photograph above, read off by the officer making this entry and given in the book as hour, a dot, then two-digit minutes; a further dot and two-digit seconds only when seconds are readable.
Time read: 1.37
